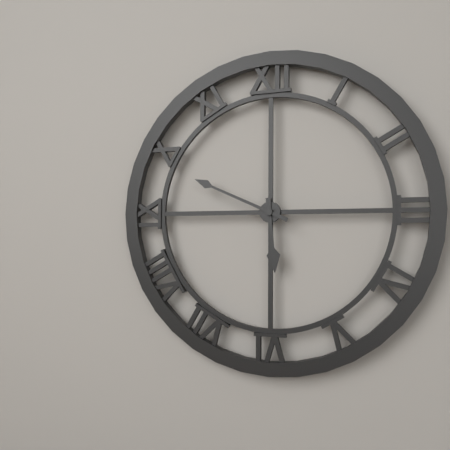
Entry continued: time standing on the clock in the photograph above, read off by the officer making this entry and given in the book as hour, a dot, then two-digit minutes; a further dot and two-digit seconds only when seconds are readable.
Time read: 5.49
